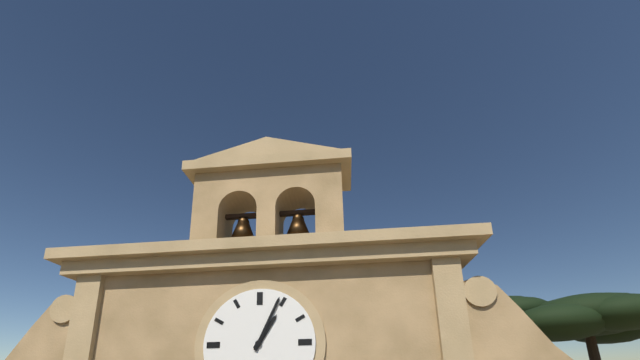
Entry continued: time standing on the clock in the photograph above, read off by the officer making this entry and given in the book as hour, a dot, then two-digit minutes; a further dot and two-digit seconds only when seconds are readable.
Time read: 1.04
